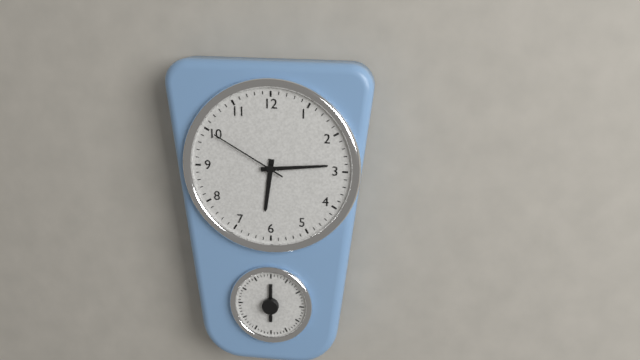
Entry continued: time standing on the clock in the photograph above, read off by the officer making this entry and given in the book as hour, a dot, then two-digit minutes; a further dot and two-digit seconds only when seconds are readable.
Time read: 6.14.50
